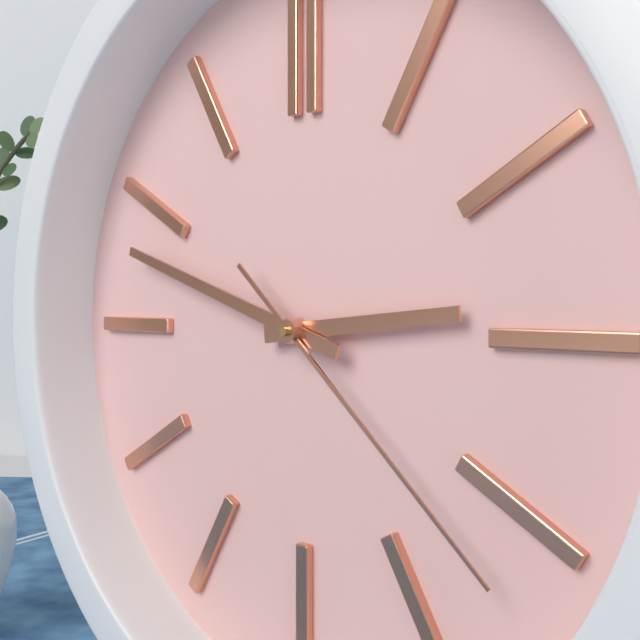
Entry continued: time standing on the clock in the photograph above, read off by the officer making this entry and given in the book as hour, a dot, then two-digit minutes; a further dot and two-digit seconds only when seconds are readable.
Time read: 2.48.22
